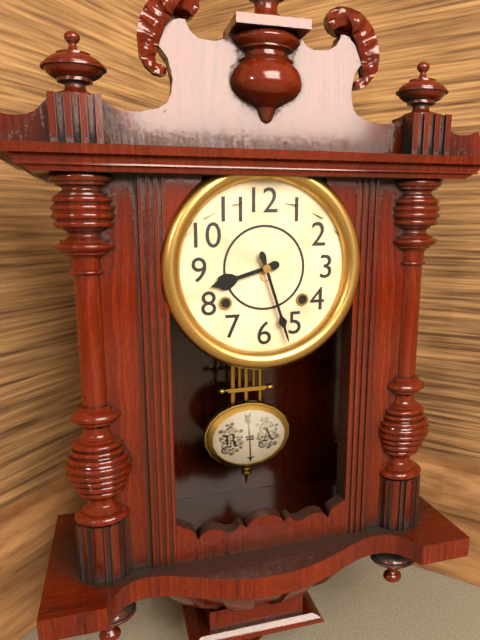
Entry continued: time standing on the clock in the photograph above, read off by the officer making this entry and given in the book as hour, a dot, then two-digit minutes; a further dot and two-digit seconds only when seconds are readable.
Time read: 8.27
